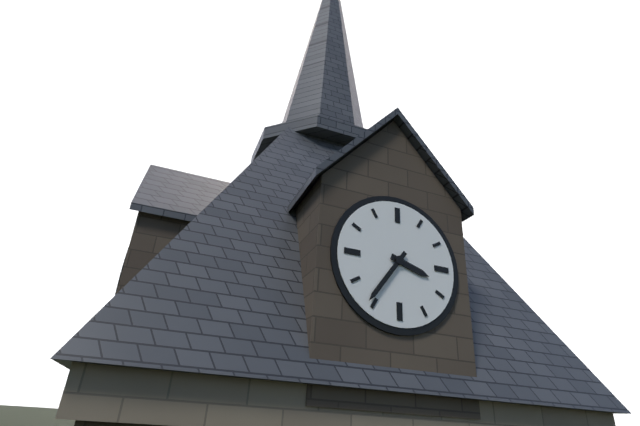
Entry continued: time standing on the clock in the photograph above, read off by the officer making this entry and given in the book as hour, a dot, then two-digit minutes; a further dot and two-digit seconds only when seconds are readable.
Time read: 3.36
